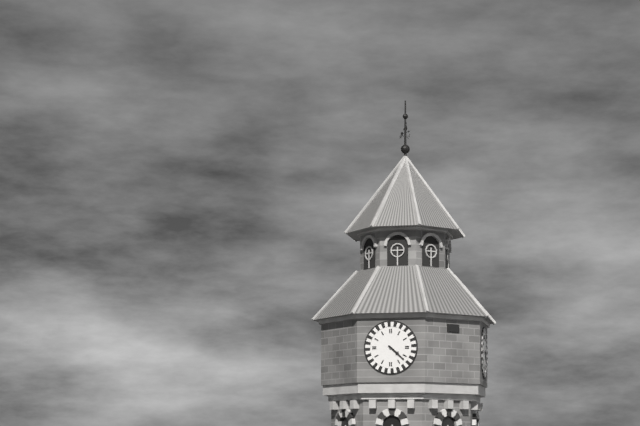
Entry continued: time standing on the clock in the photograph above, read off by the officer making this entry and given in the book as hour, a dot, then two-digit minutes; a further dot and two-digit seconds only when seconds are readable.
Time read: 4.22
